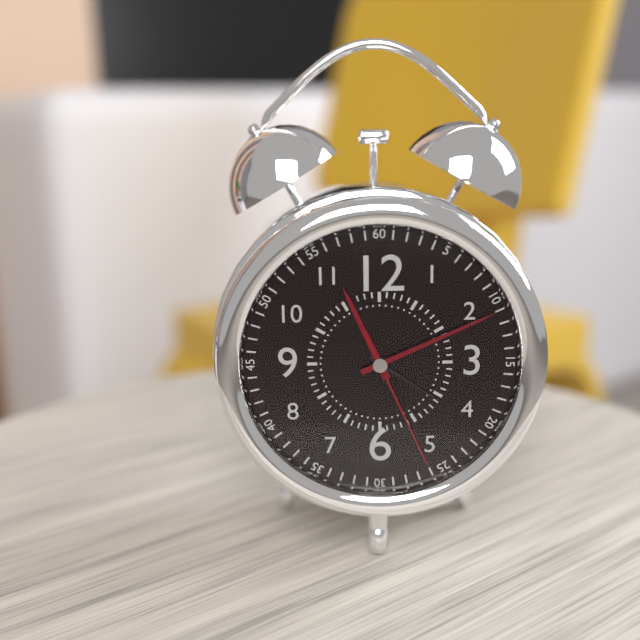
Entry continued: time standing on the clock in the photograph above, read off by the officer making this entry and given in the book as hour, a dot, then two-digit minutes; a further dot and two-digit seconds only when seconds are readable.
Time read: 11.11.26
